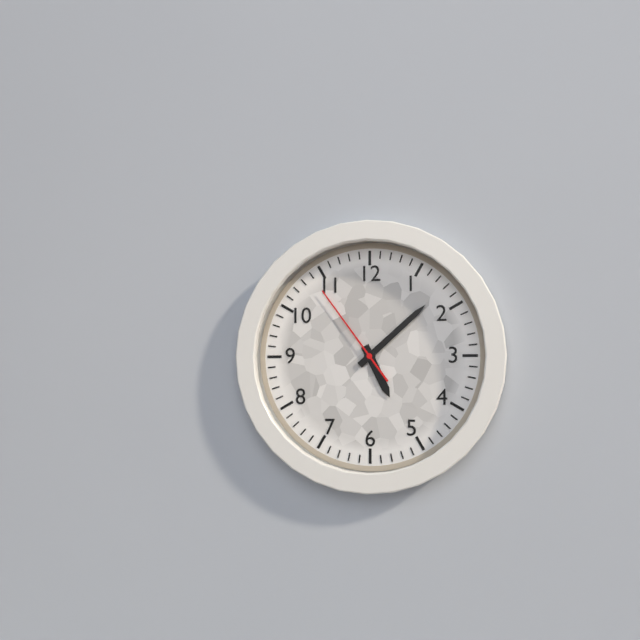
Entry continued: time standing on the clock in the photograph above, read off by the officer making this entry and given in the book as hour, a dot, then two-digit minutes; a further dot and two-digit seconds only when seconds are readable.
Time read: 5.08.54
